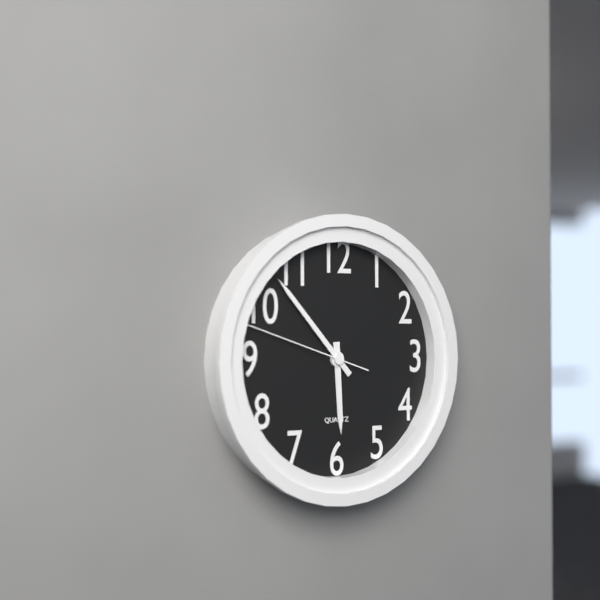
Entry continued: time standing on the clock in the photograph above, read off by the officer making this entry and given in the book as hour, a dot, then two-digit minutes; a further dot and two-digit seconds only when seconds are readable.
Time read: 5.53.48
